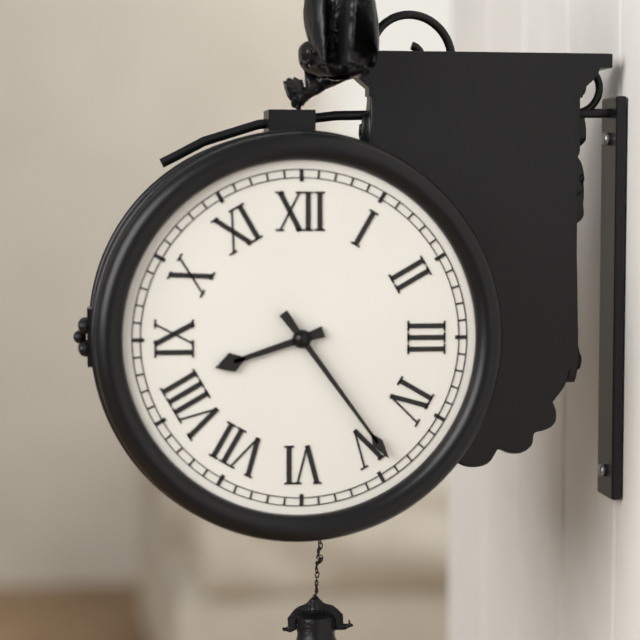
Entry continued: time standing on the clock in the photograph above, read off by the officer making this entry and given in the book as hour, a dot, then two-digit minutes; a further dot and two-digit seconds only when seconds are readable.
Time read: 8.24
